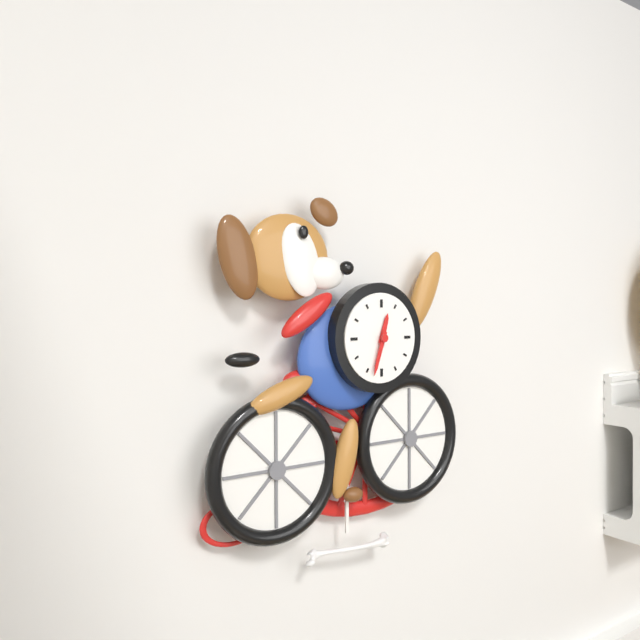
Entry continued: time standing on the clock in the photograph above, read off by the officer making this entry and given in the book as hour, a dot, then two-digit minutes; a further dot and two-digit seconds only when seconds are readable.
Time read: 12.33
